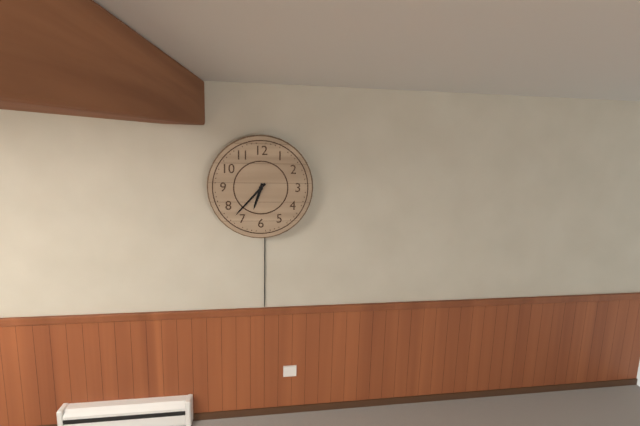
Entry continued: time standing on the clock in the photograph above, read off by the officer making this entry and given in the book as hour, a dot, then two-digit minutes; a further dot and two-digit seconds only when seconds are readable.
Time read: 6.37
